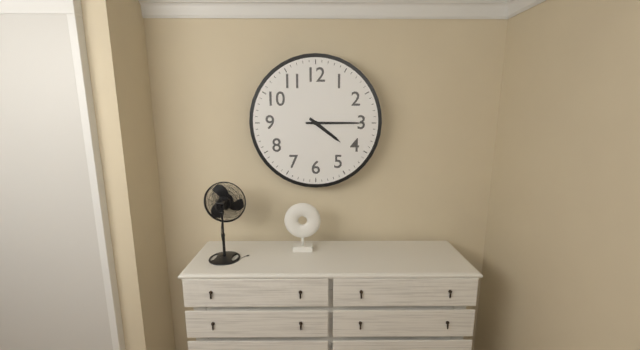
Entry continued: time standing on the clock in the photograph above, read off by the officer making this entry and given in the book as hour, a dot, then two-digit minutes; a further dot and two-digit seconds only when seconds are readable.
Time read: 4.15
